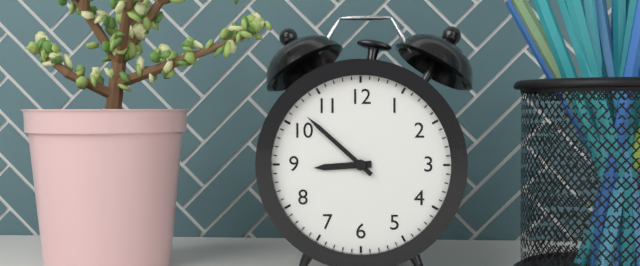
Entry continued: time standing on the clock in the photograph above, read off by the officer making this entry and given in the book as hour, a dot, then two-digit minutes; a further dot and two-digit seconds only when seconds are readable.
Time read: 8.52
